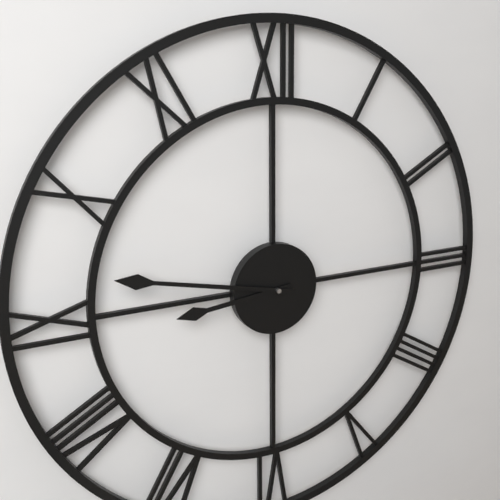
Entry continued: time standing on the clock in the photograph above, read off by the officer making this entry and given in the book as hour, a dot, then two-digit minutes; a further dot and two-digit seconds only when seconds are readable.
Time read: 8.47
